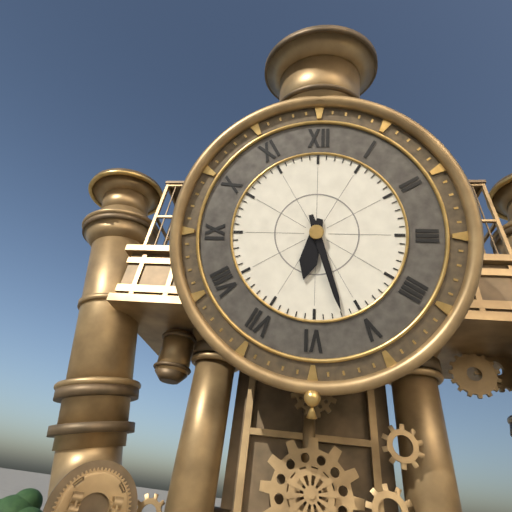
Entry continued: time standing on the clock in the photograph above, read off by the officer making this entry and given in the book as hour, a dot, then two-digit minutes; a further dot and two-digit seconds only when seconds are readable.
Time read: 6.27
